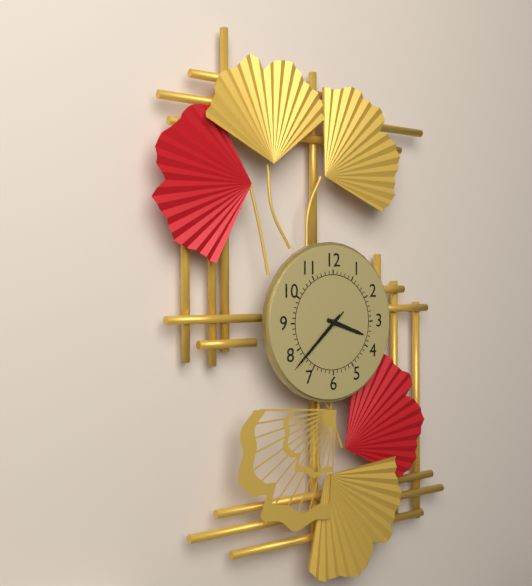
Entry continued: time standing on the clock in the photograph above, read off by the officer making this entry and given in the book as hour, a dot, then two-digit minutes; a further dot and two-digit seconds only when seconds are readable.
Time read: 3.38.38
